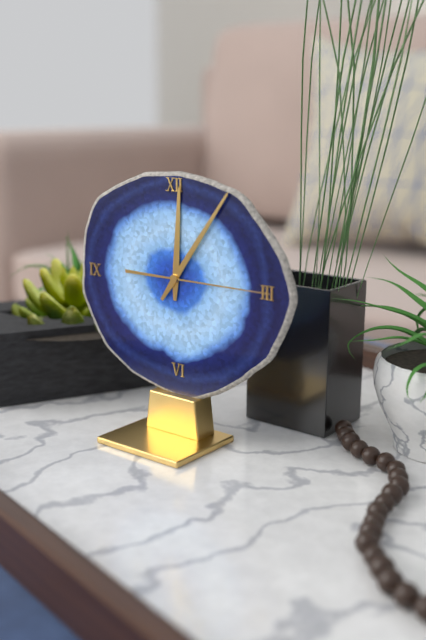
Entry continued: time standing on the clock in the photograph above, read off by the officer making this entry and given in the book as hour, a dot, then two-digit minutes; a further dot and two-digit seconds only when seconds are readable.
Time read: 12.06.15
